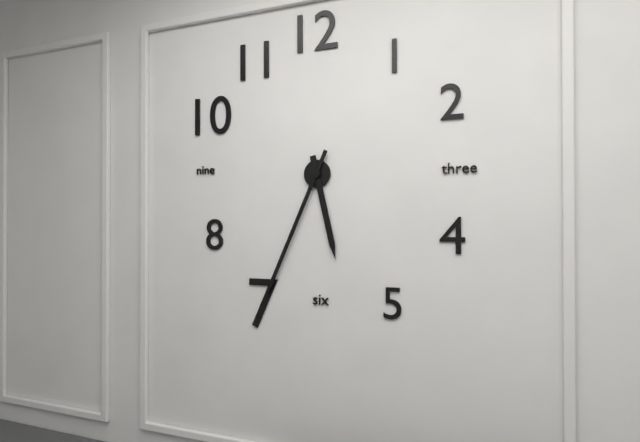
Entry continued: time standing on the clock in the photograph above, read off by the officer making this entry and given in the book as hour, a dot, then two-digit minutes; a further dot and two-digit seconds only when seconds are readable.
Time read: 5.34
